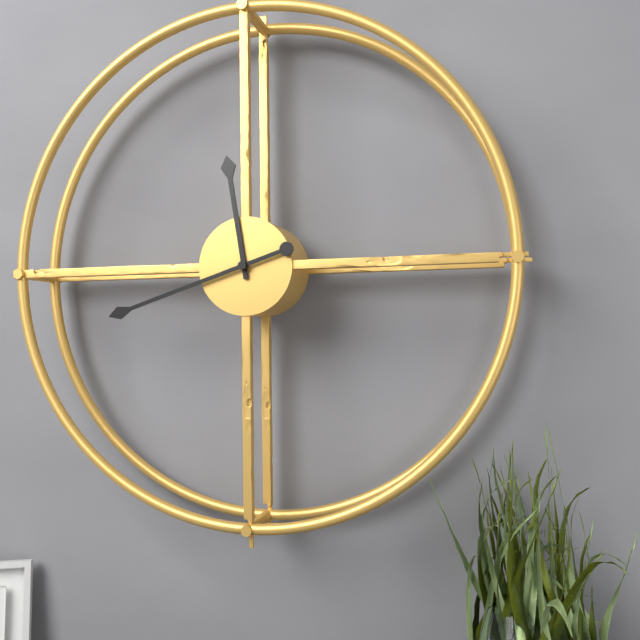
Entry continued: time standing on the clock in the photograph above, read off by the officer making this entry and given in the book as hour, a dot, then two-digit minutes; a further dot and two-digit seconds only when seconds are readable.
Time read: 11.42
